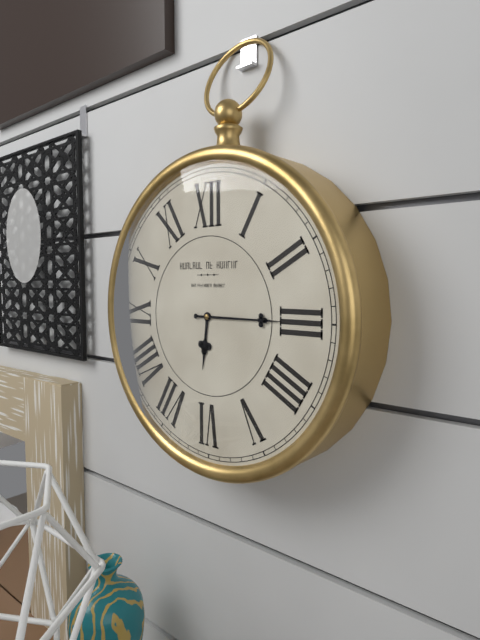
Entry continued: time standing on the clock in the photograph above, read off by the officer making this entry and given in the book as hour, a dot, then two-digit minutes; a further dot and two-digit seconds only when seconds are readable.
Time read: 6.15
